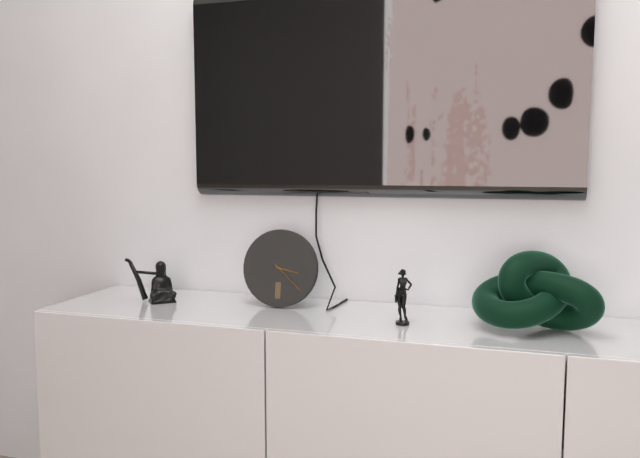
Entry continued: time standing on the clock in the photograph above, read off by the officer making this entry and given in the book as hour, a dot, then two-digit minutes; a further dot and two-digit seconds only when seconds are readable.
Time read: 3.22
